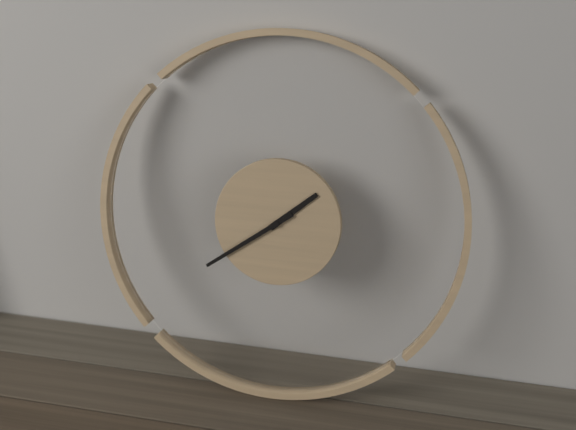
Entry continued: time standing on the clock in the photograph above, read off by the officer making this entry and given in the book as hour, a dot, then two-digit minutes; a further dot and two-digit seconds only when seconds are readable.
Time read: 1.39
